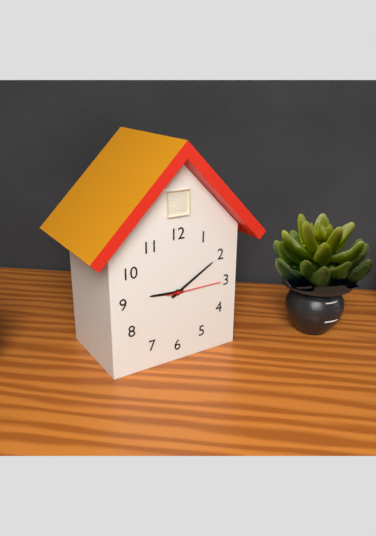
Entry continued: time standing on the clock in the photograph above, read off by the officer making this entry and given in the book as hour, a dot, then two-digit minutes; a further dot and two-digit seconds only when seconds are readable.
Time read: 9.10.15
